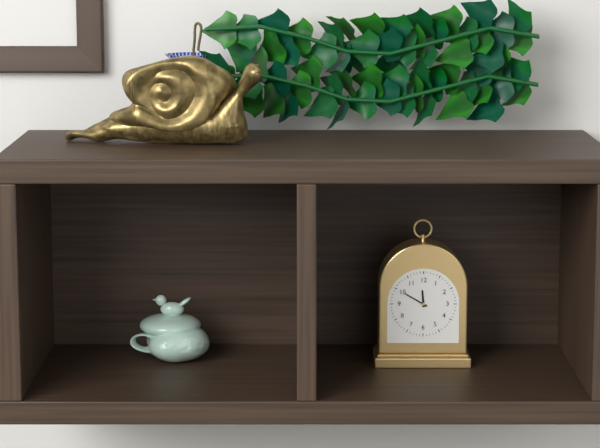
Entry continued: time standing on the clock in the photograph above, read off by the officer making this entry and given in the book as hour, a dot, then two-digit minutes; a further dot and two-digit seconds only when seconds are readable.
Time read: 11.50
